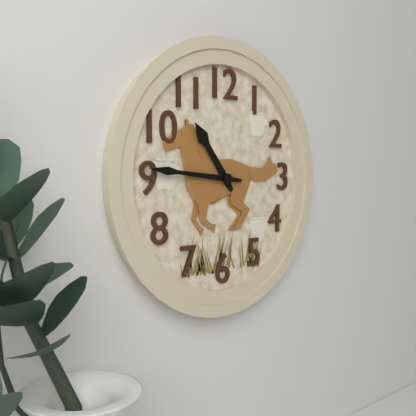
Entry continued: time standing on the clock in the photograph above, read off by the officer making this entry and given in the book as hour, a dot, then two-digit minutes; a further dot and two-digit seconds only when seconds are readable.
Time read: 10.46
